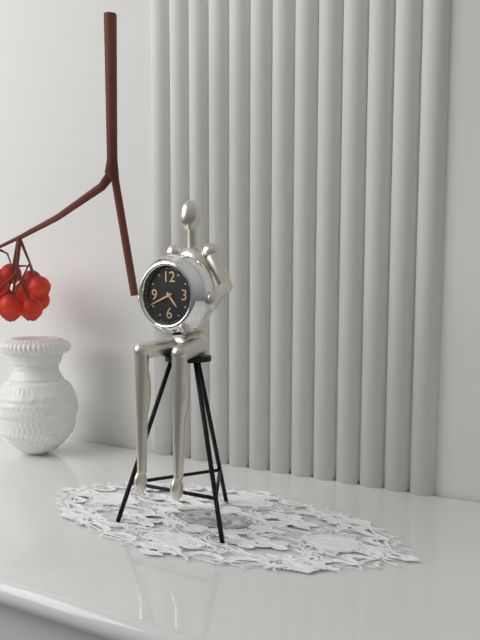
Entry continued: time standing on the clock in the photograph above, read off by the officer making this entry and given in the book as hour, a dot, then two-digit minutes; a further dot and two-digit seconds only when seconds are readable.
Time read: 4.41
